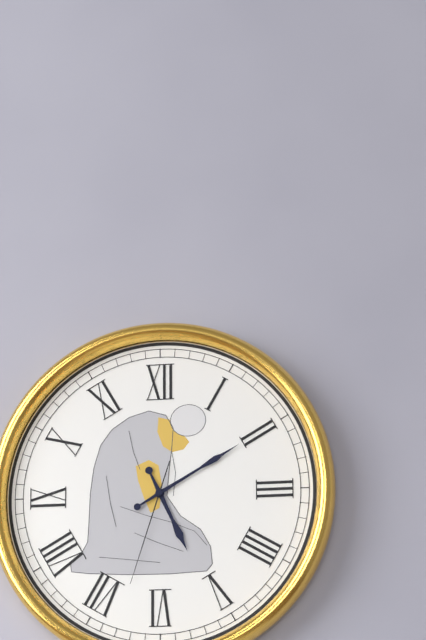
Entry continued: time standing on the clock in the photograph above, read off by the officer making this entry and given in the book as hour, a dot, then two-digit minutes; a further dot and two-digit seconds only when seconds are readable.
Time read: 5.10.33
